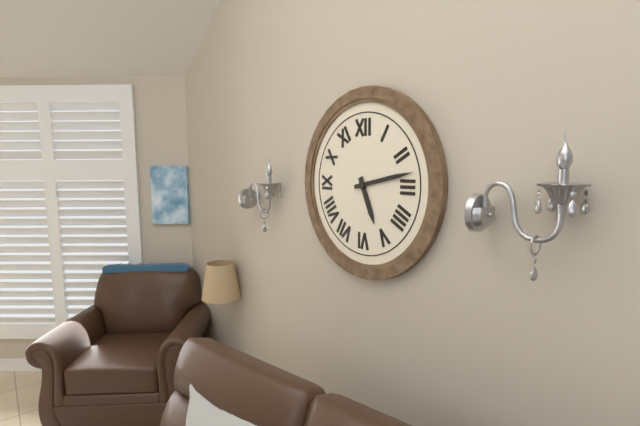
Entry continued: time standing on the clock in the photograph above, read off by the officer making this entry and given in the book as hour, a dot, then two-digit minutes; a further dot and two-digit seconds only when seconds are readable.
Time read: 5.13
